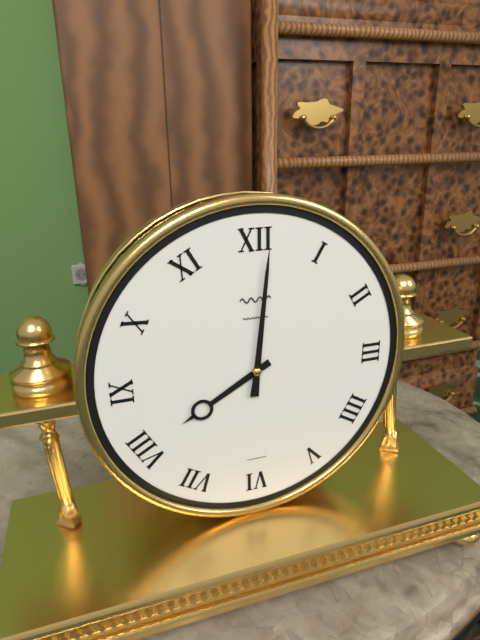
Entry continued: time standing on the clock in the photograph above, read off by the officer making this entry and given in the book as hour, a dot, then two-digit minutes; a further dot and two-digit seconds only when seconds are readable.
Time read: 8.01
